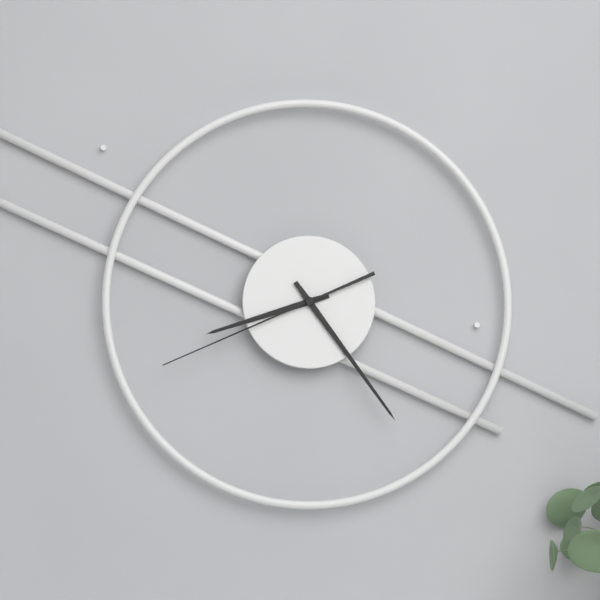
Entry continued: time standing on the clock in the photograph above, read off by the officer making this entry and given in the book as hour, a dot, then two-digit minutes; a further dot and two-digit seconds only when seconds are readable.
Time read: 8.24.41
